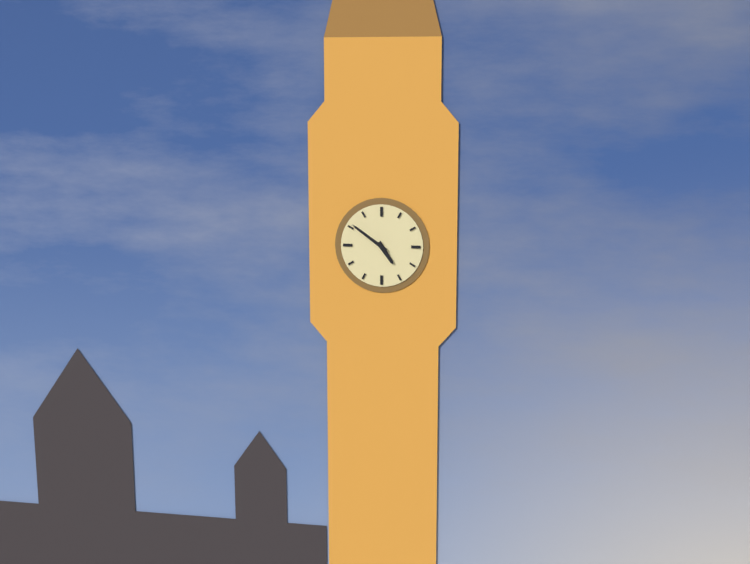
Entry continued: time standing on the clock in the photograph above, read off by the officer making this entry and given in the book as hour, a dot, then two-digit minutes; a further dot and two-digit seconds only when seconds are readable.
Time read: 4.51
